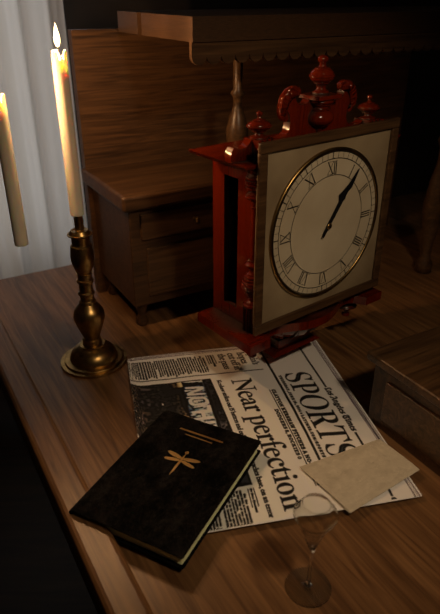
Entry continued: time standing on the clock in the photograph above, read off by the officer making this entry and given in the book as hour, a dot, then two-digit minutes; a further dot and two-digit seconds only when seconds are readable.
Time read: 1.06
